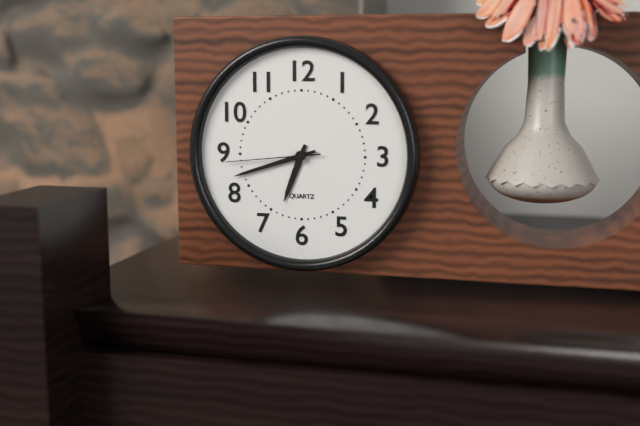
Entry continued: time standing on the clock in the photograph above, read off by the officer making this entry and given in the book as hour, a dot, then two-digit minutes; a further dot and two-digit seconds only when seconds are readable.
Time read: 6.42.44
